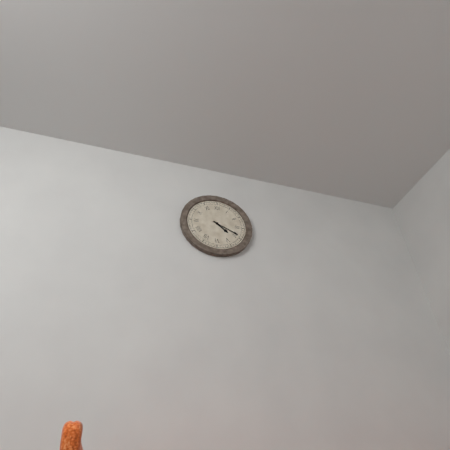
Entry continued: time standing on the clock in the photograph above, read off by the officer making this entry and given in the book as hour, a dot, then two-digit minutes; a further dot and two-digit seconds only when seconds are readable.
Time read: 4.19
